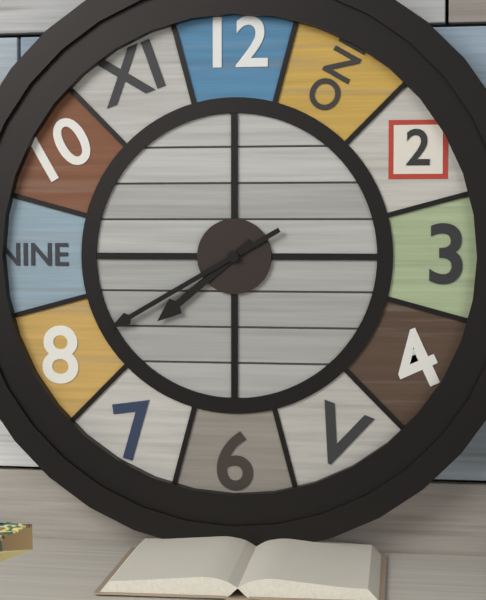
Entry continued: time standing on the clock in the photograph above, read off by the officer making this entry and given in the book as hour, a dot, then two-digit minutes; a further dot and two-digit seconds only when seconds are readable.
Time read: 7.40
